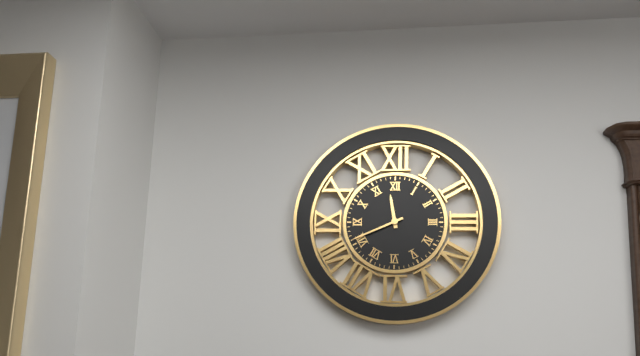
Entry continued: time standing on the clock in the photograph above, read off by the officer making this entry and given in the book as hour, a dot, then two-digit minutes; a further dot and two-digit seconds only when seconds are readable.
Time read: 11.41
